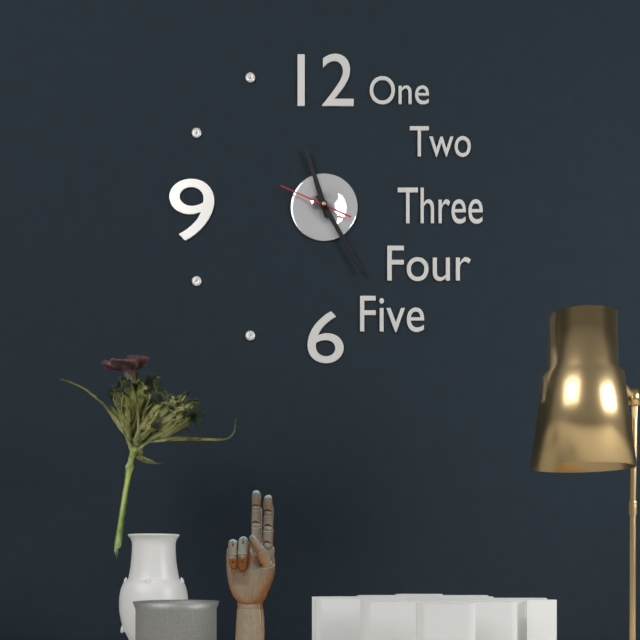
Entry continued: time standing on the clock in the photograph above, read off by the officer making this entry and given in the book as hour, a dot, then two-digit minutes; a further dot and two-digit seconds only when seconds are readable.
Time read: 11.25.49
